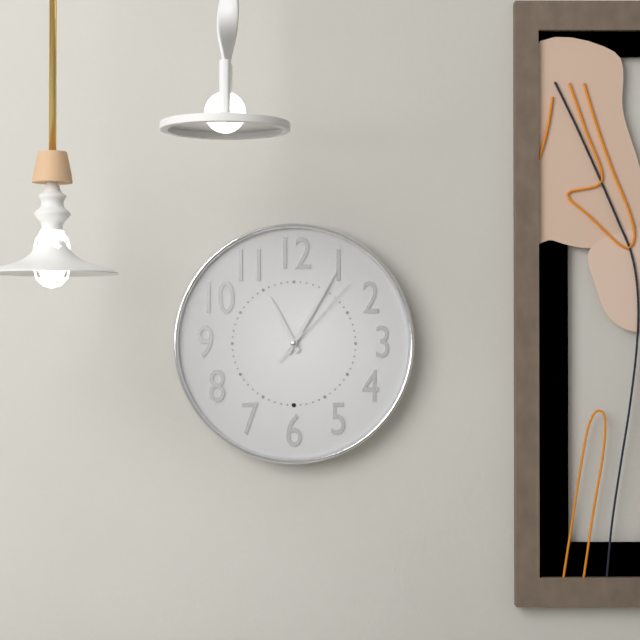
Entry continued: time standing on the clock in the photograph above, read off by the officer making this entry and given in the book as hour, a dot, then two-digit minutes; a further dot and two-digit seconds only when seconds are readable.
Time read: 11.05.07
